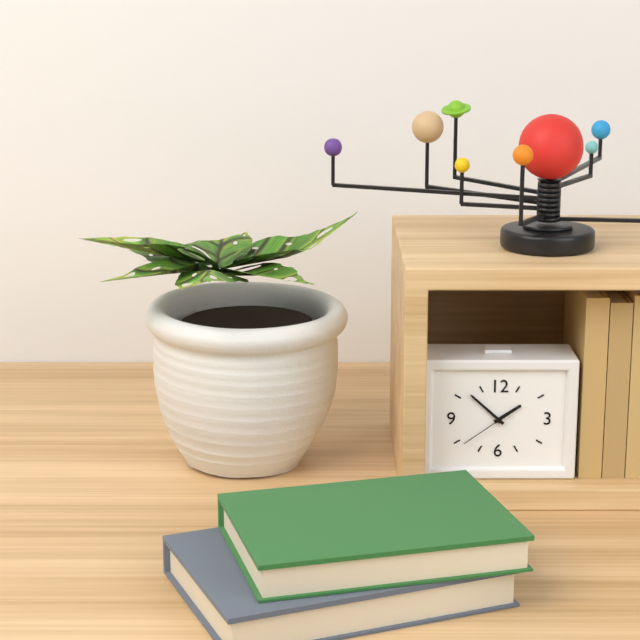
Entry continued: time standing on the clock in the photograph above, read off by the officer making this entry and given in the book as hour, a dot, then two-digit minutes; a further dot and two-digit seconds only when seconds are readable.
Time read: 1.52.39
